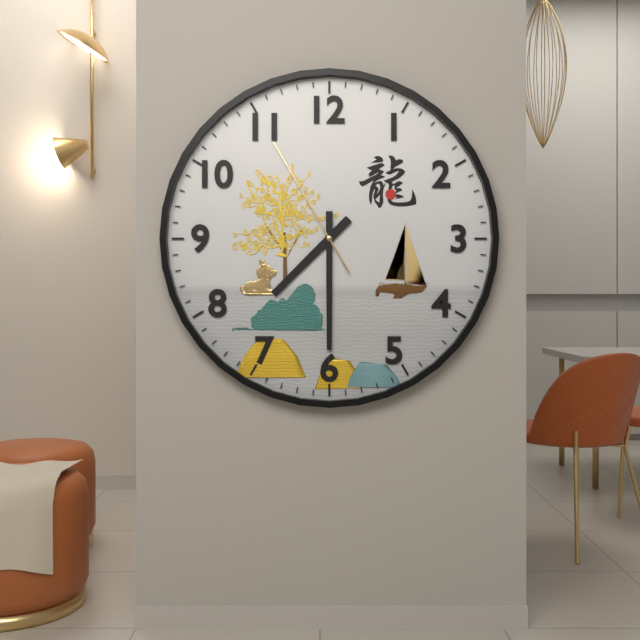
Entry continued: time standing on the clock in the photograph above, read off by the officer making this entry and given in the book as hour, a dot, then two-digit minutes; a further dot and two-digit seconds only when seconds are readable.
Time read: 7.30.55
